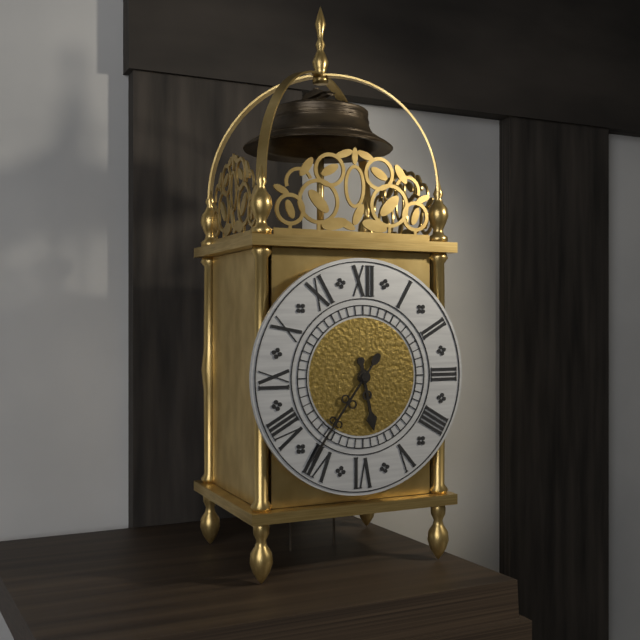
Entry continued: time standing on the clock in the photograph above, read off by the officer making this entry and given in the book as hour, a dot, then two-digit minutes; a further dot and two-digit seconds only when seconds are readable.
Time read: 5.36
